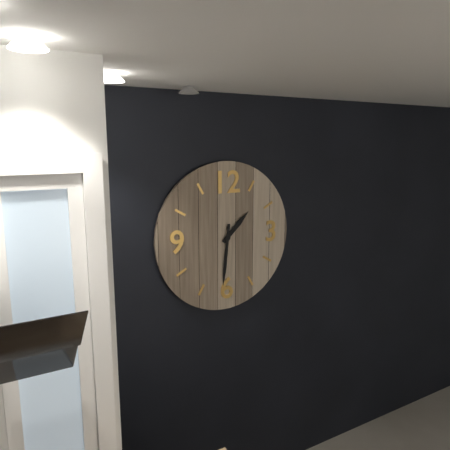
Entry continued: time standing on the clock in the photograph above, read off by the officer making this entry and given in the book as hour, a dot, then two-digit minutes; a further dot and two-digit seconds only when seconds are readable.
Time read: 1.31
